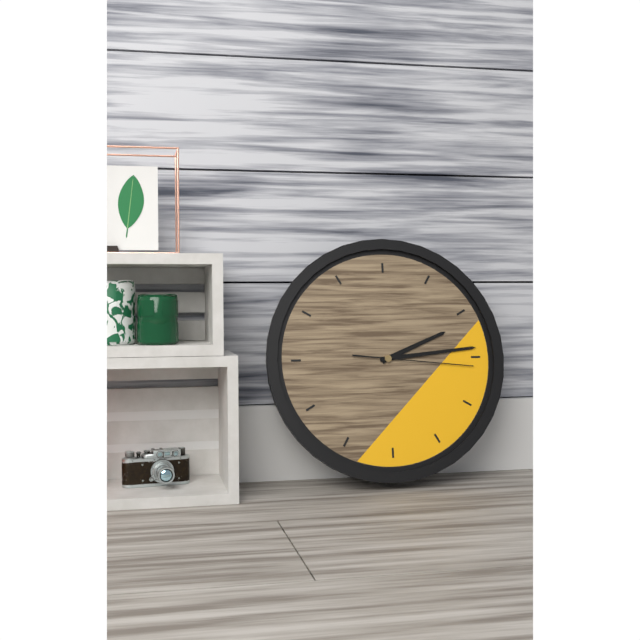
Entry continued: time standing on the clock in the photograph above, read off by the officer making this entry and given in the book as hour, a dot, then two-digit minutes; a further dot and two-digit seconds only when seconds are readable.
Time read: 2.14.16
